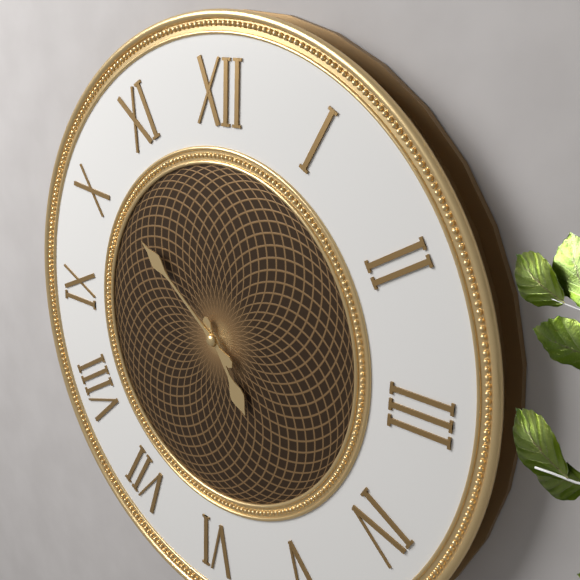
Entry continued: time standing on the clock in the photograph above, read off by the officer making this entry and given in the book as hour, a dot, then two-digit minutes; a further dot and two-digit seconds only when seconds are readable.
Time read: 4.51
